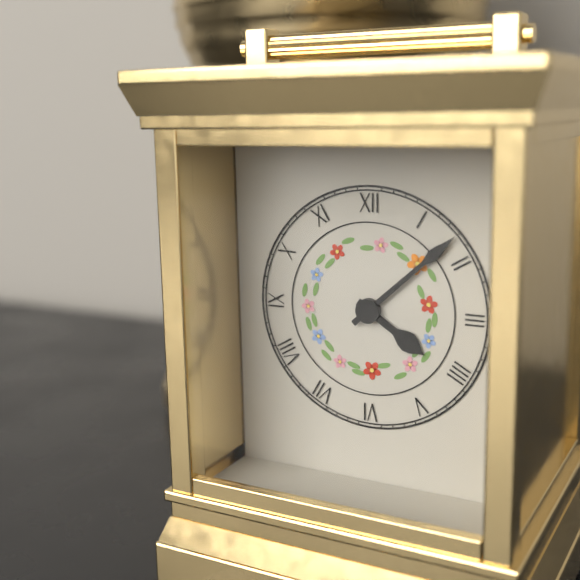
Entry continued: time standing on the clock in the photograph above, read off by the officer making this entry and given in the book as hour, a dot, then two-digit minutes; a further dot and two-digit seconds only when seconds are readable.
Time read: 4.08
